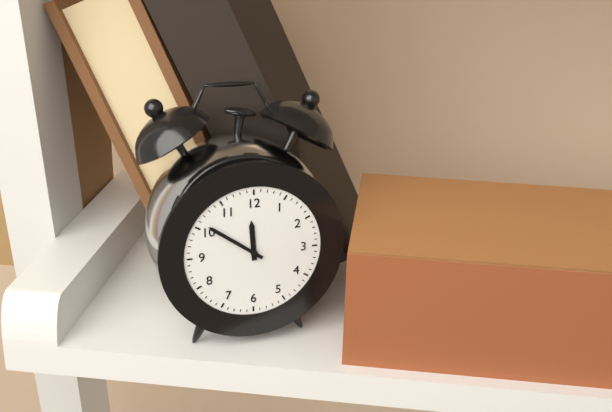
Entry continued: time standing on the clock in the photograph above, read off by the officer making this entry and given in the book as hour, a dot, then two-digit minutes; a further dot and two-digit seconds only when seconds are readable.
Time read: 11.51
